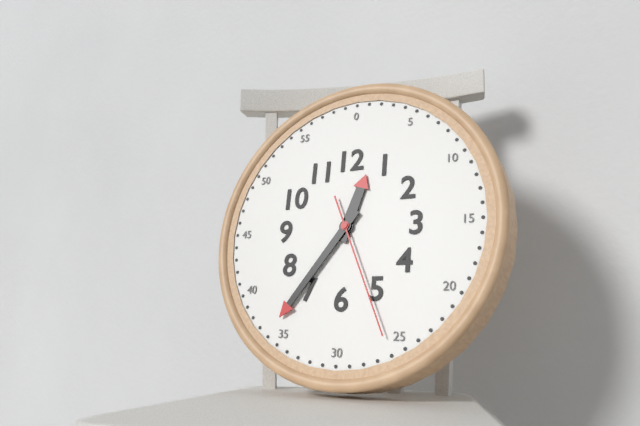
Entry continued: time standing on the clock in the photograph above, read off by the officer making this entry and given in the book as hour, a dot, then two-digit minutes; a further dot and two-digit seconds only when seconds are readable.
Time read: 12.36.26
